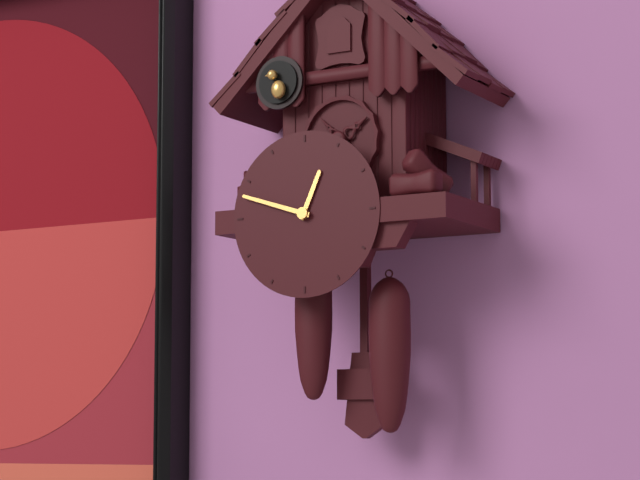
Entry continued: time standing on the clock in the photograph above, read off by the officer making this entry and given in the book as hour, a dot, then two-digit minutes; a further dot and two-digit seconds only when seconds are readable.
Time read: 12.48
